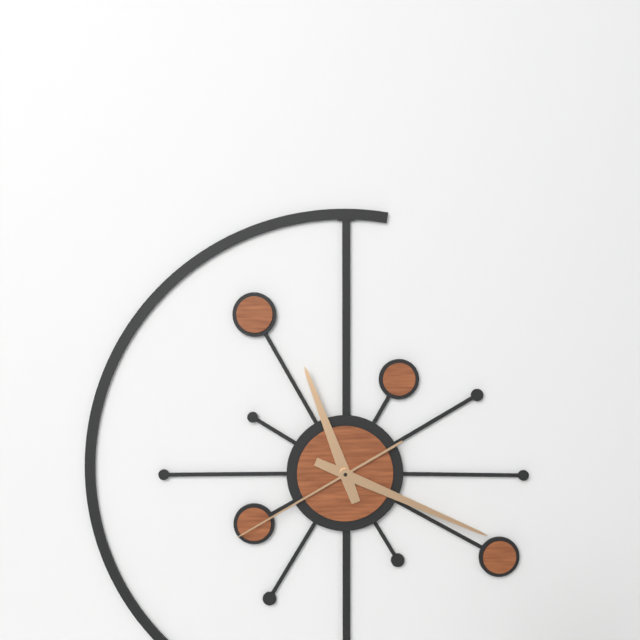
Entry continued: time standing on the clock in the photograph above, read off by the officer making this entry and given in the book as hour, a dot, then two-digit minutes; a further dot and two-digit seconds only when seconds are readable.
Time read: 11.19.40
